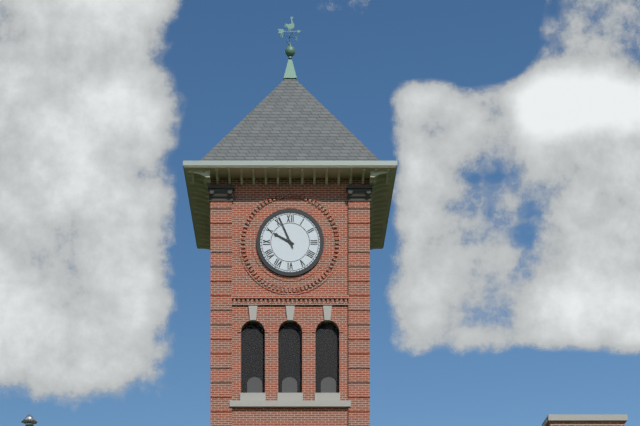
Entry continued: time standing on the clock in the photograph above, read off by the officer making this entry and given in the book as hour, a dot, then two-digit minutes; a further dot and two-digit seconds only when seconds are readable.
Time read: 9.56
